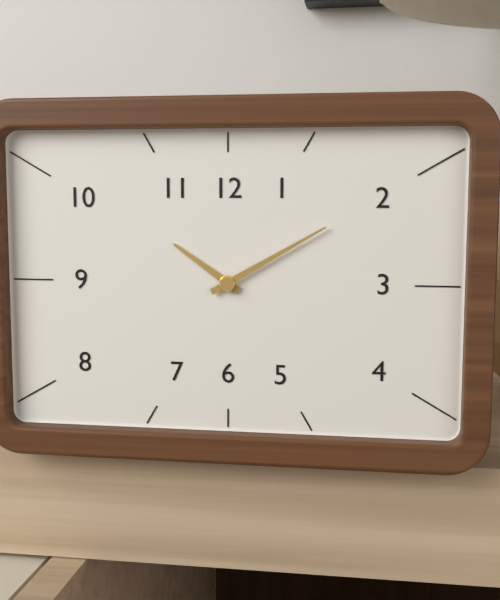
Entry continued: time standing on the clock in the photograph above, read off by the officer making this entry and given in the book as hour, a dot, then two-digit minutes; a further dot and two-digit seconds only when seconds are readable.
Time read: 10.10
